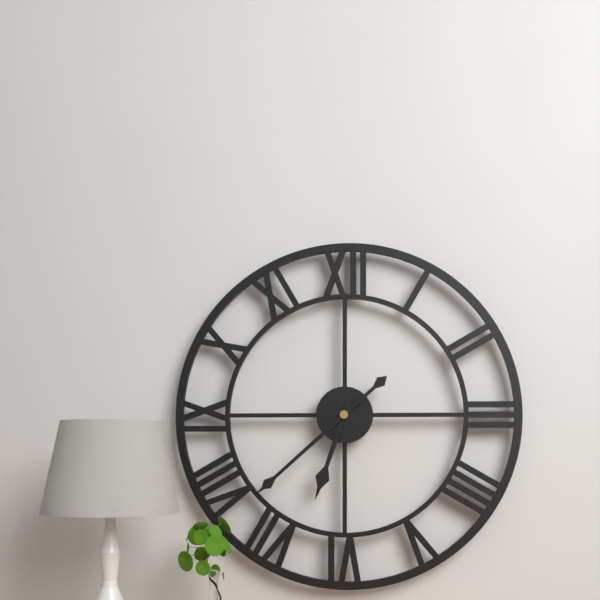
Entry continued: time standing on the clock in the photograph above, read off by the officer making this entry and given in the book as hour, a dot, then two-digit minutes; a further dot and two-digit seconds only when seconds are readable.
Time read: 6.38
